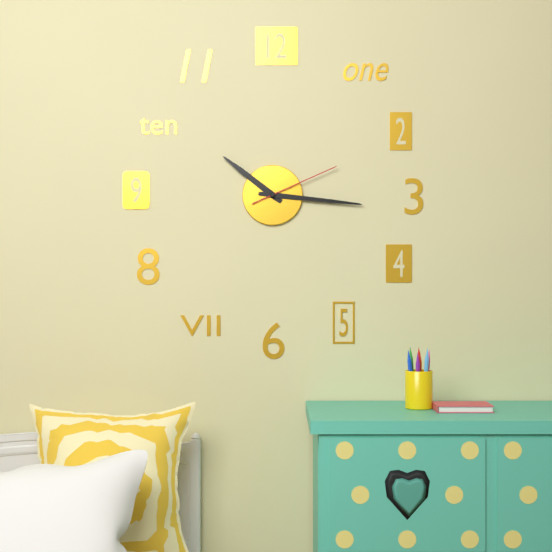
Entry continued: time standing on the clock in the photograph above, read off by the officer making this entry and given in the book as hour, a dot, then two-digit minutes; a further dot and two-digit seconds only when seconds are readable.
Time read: 10.16.11
